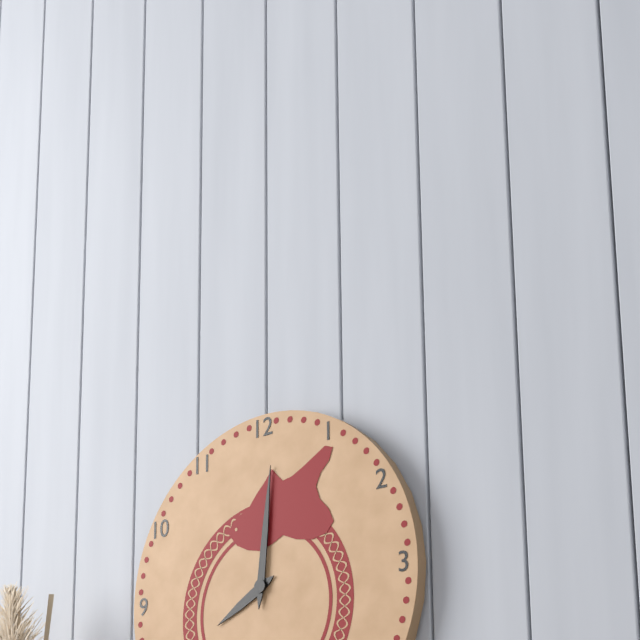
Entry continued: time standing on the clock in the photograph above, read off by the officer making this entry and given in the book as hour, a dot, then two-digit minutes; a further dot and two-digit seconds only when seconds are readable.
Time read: 8.01
